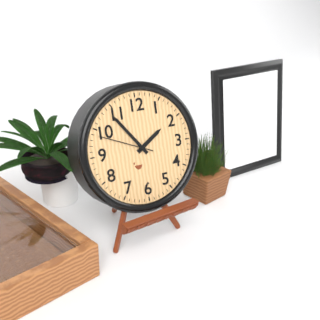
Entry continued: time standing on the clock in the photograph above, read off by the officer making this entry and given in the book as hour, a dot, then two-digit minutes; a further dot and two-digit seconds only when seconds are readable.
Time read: 1.54.49
